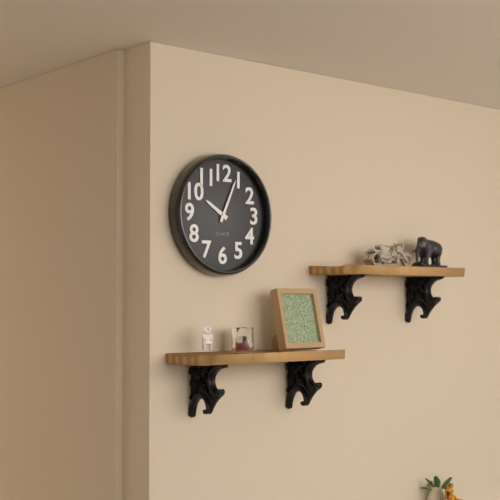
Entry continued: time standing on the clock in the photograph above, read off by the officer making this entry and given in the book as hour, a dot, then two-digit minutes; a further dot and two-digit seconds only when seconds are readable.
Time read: 10.04
